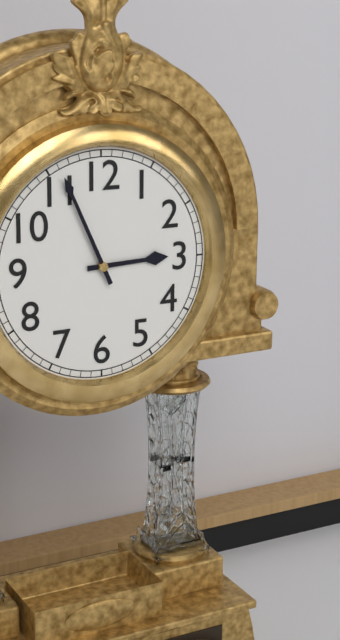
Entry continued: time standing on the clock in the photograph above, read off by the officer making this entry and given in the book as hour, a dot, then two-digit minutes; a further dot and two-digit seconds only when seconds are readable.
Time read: 2.56
